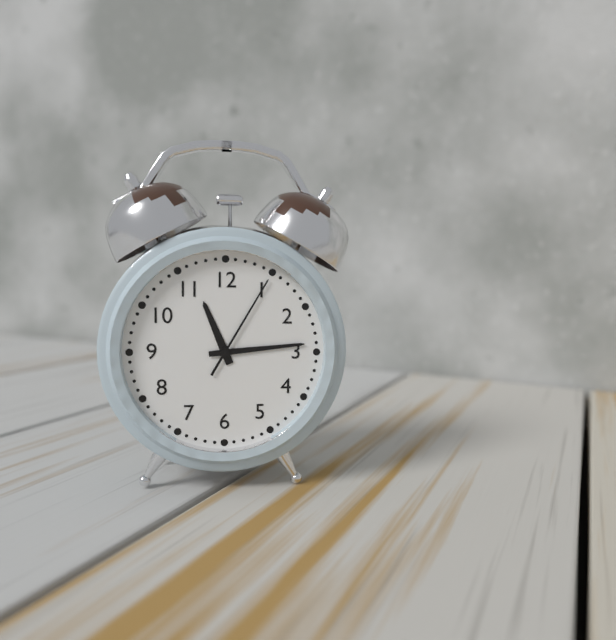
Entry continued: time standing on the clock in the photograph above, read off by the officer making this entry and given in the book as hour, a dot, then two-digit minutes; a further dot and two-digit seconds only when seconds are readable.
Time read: 11.14.05
